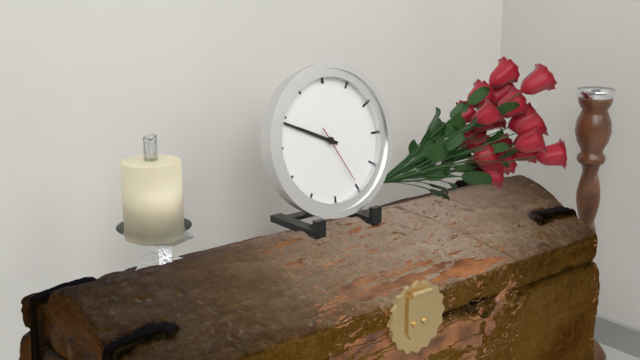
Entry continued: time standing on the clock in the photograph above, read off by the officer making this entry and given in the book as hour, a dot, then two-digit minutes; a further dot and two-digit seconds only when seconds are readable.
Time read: 9.49.25
